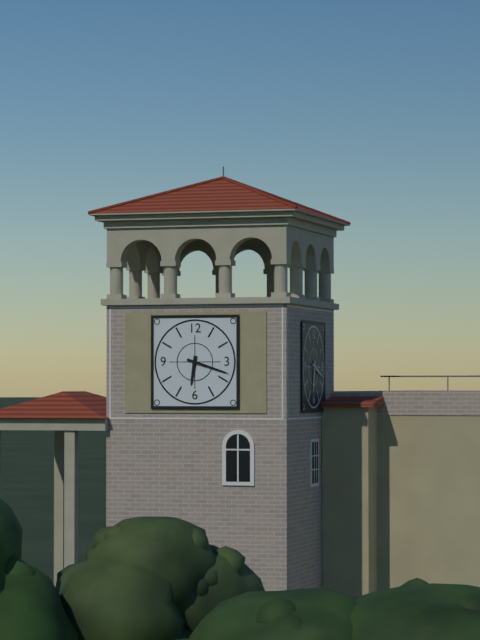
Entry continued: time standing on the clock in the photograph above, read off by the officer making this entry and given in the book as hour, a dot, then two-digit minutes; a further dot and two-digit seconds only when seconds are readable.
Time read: 6.18
